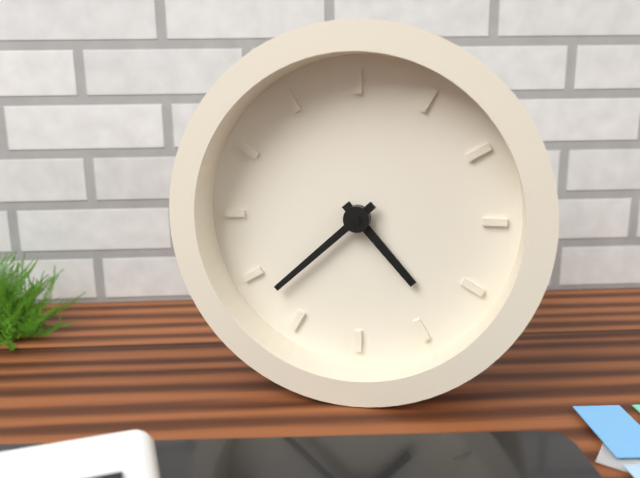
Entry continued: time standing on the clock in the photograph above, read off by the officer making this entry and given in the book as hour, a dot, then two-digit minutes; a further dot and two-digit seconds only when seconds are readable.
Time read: 4.38
